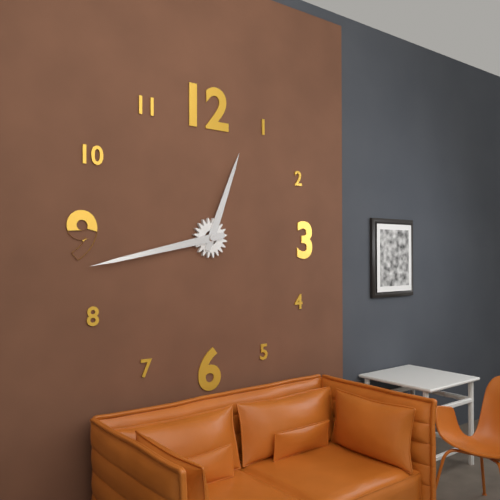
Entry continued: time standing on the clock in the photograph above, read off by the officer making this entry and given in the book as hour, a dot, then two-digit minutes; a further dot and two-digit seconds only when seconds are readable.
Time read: 12.43
